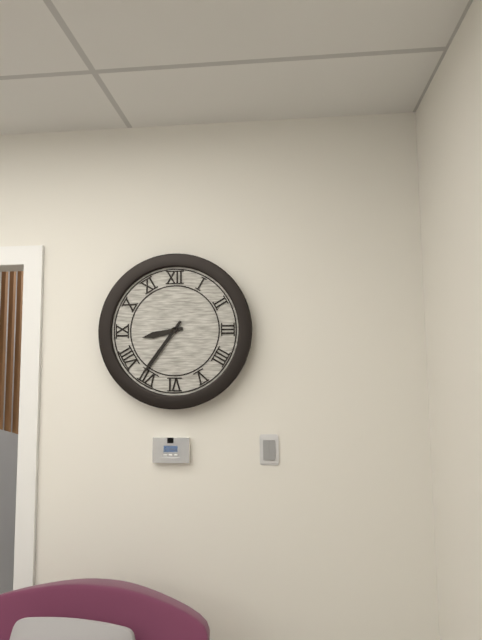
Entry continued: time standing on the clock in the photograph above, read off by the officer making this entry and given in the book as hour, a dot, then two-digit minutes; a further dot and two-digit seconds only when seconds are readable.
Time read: 8.36
